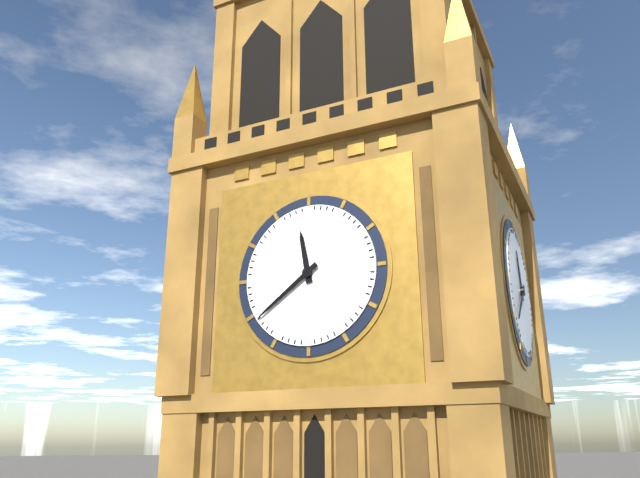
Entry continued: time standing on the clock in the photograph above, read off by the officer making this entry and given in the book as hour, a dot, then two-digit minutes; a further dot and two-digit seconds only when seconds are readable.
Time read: 11.39
